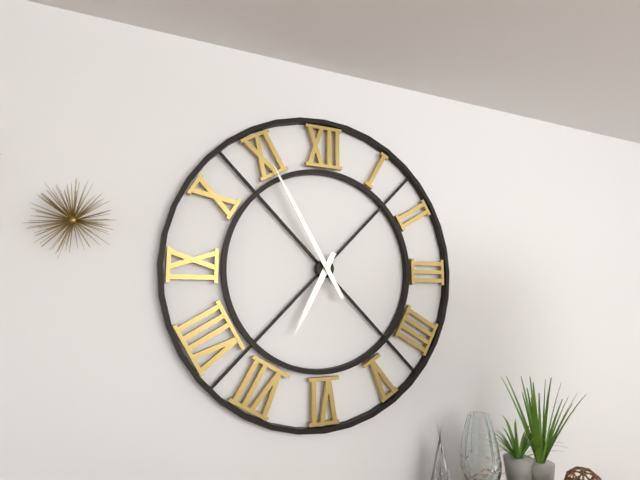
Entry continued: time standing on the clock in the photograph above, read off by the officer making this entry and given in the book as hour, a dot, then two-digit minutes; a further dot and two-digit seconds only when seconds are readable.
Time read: 6.55
